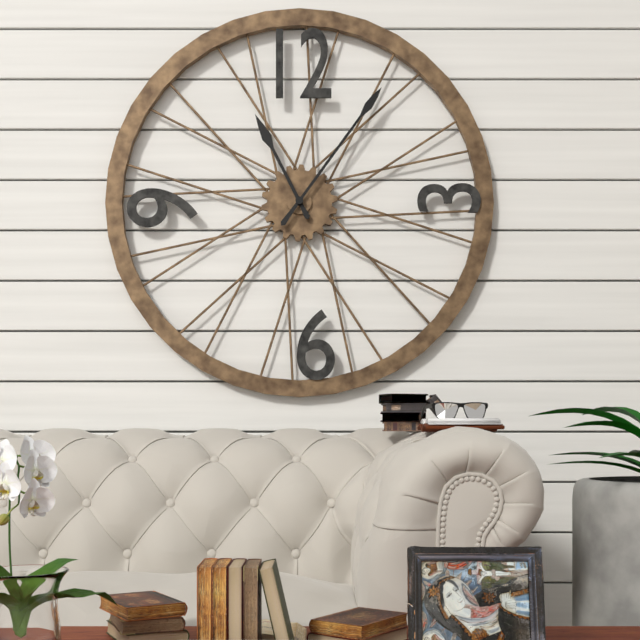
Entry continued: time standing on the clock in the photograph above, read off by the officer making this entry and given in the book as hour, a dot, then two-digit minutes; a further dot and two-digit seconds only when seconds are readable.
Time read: 11.06
